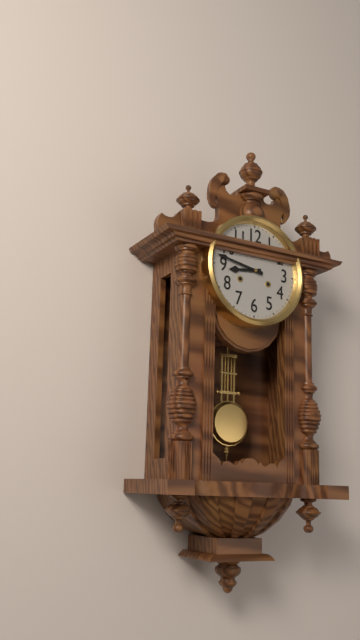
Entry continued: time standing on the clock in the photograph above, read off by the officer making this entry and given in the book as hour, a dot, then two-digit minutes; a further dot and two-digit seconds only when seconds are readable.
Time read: 8.47
